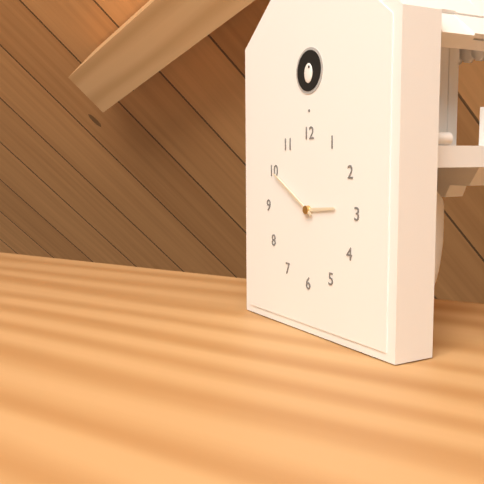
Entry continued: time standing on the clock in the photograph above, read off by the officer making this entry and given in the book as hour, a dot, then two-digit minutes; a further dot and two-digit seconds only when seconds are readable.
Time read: 2.50
